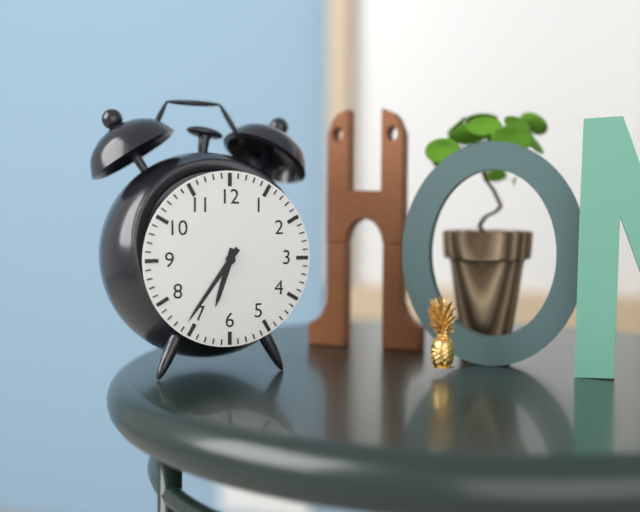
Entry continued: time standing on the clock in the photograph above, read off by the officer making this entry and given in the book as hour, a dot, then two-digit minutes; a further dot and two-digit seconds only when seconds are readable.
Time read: 6.36
